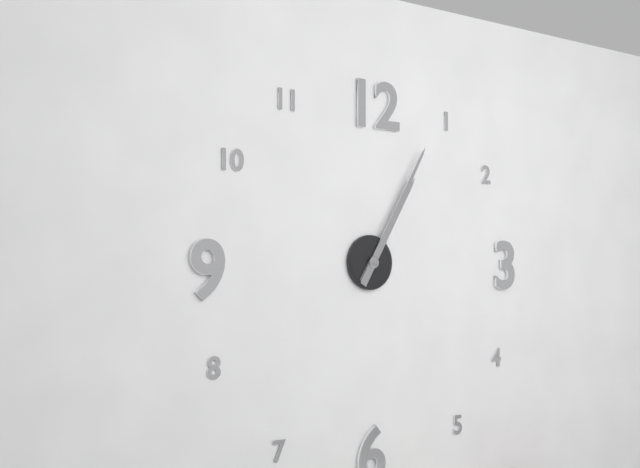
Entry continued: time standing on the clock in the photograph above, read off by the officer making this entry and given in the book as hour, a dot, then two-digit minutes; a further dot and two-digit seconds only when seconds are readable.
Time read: 1.05
